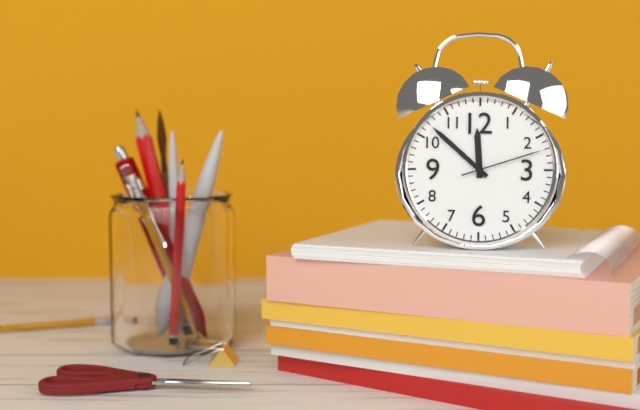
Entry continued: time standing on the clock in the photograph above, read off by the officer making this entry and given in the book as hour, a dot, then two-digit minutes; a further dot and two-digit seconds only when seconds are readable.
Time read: 11.52.12
